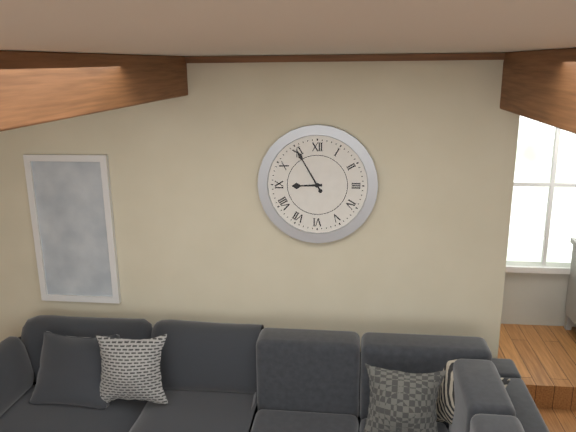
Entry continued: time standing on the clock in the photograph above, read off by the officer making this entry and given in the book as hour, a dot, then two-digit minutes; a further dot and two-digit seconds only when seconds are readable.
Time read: 8.55
